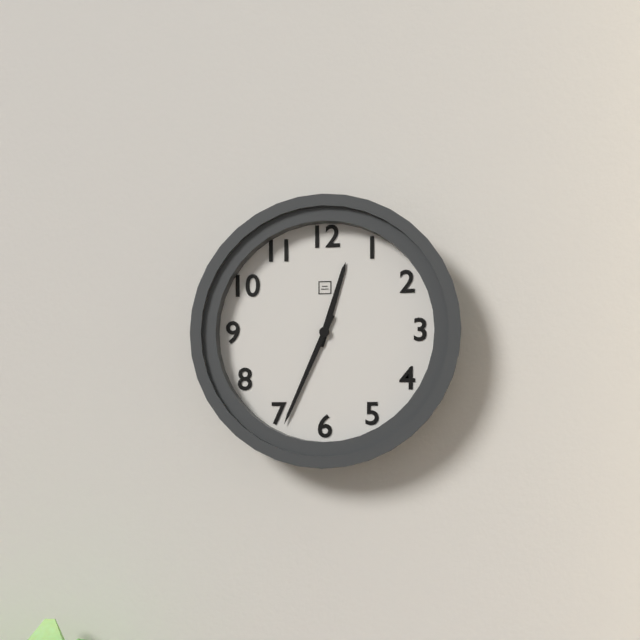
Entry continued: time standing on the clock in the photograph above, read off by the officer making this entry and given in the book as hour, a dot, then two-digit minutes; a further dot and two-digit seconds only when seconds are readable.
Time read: 12.34
